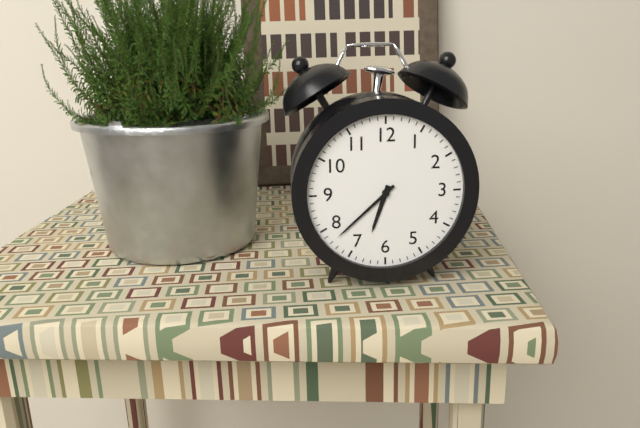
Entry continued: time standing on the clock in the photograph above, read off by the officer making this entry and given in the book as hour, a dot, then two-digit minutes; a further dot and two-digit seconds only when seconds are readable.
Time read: 6.38
